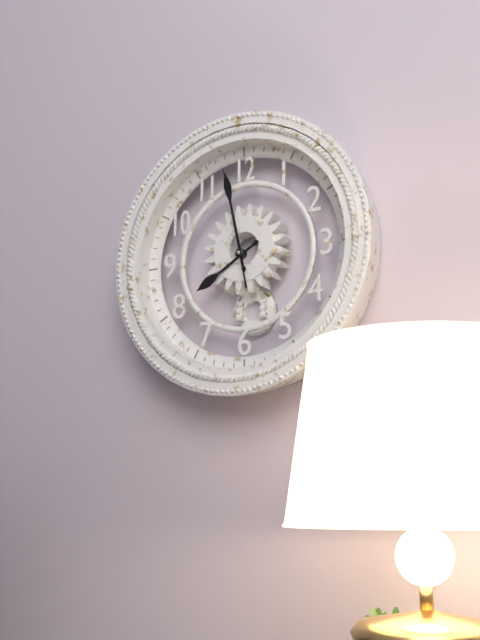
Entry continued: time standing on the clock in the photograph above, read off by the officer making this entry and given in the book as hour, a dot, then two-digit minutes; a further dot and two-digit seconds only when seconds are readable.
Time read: 7.58.58
